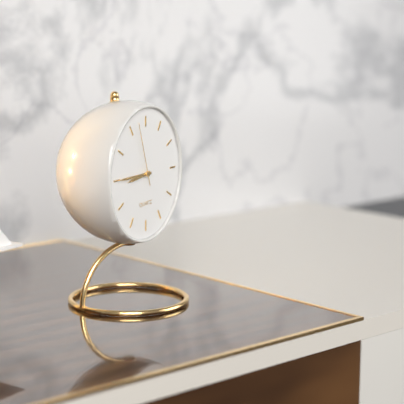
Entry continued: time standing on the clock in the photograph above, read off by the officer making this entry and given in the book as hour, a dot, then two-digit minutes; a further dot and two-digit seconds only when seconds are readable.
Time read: 8.45.57
